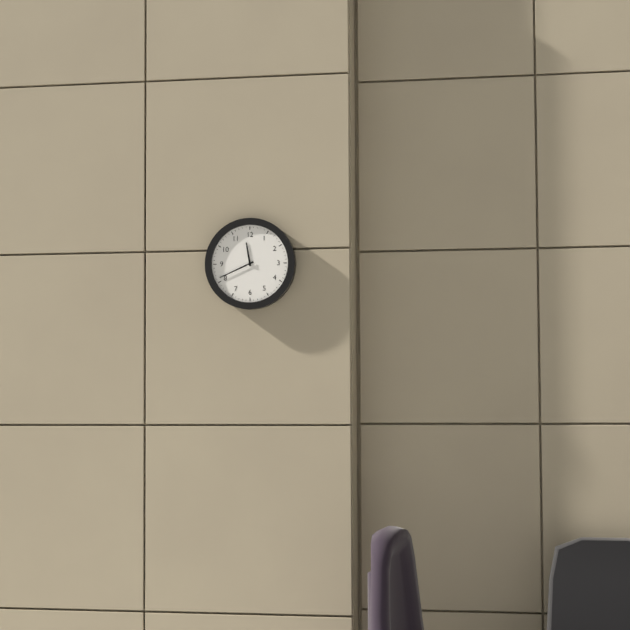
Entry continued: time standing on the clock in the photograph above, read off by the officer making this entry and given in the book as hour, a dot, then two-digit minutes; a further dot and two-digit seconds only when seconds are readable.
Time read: 11.41
